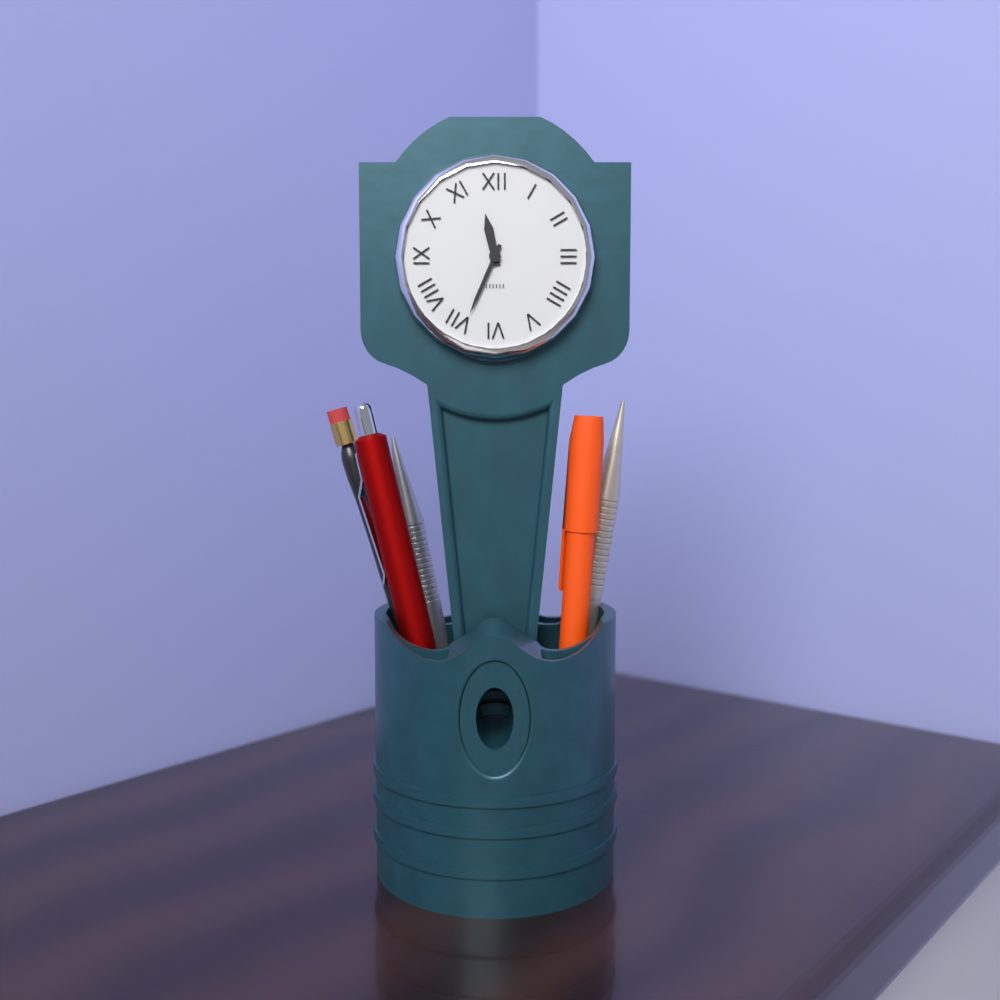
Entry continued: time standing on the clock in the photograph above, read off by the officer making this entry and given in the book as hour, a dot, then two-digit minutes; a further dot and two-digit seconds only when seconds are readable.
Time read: 11.34
